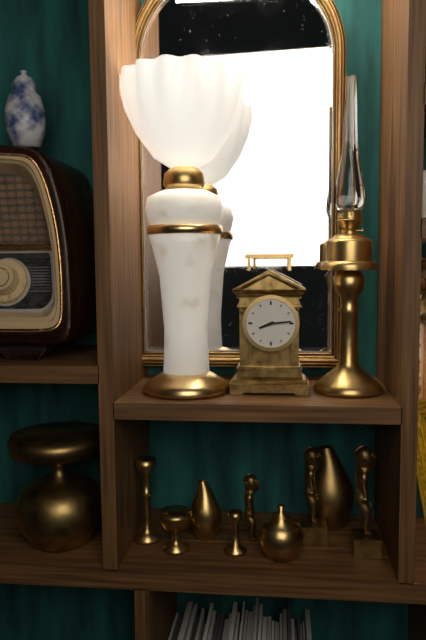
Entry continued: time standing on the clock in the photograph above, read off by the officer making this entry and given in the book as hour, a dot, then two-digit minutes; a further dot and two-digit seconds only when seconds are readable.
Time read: 8.14
